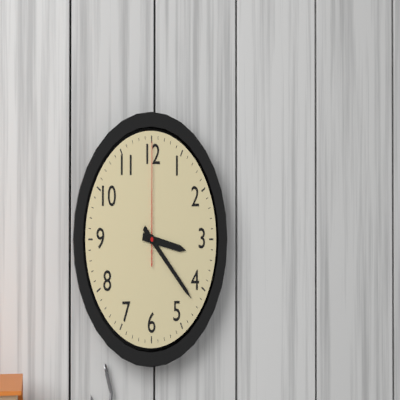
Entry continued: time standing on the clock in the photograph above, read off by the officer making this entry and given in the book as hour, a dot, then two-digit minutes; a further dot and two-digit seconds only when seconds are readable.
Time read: 3.22.00
